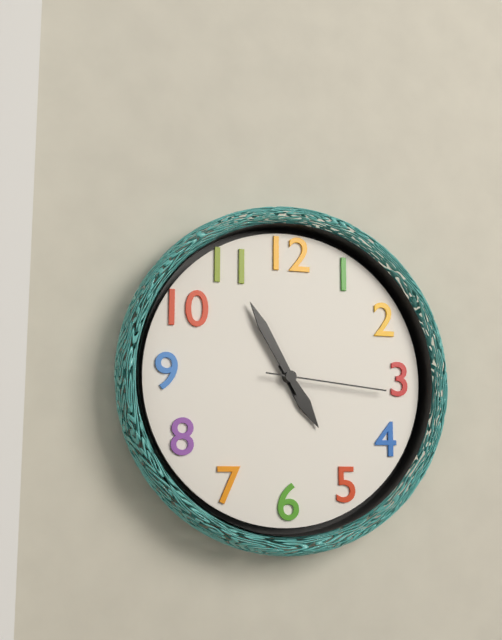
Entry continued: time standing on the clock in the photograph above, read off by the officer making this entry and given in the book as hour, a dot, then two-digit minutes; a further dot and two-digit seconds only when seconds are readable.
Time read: 4.55.16
